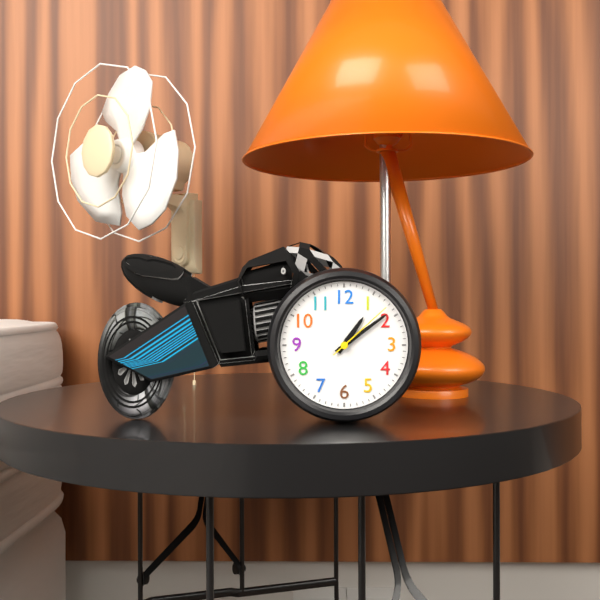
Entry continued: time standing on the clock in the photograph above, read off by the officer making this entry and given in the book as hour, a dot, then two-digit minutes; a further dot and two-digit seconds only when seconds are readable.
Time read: 1.09.08
